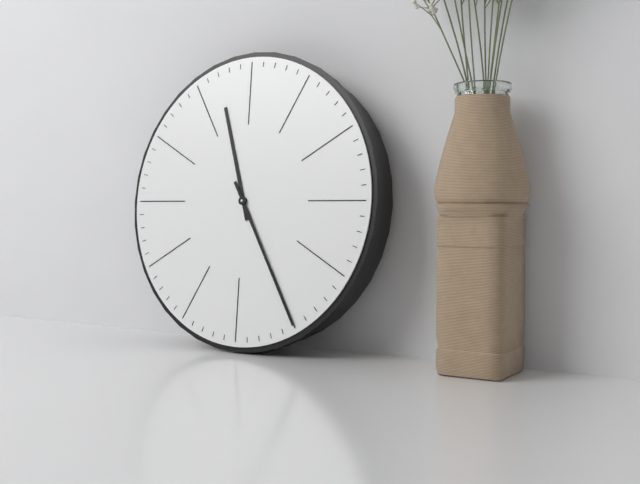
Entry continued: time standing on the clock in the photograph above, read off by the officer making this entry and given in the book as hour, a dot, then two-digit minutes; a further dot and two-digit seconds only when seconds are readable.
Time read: 11.25
